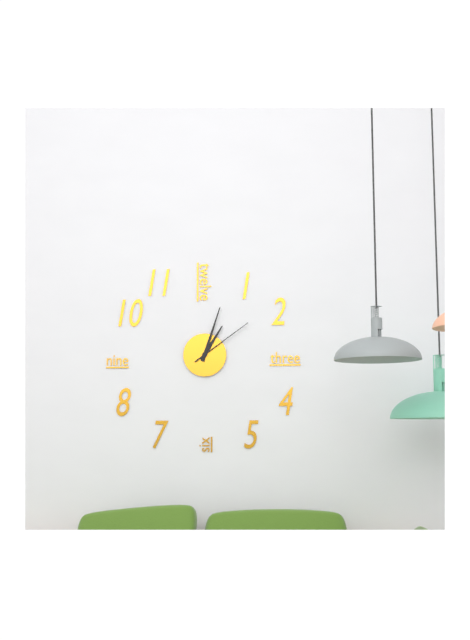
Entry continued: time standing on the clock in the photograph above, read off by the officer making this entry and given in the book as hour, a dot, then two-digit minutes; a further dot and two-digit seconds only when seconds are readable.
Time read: 1.03.09
